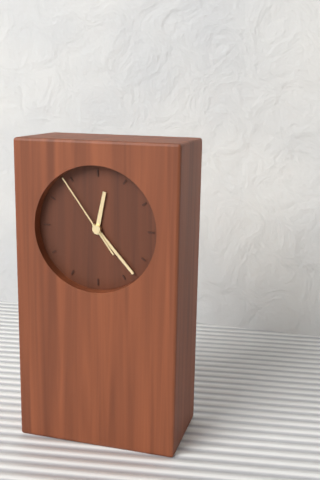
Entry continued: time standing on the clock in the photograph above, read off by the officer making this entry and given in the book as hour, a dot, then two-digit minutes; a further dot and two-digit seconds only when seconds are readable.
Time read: 12.23.54
